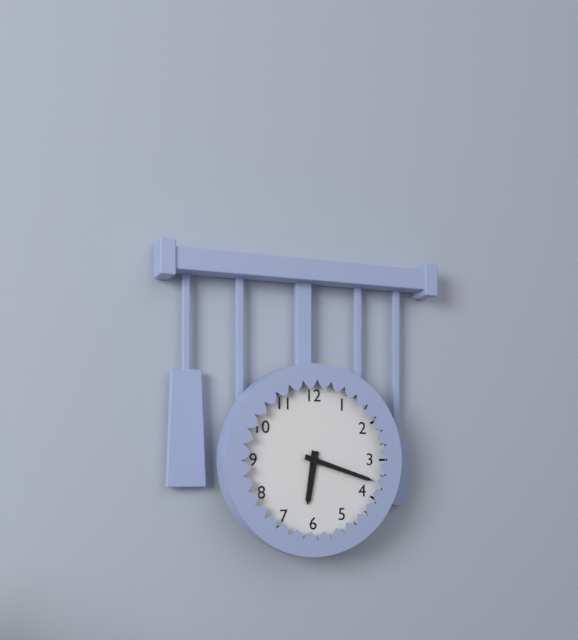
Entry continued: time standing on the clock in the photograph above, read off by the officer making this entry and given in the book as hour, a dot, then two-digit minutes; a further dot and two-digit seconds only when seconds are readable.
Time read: 6.18
